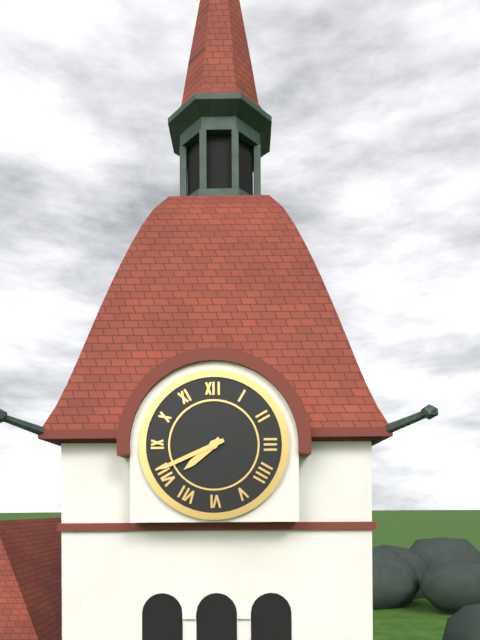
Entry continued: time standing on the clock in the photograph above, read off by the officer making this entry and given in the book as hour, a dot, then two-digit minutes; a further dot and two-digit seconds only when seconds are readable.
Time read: 7.41
